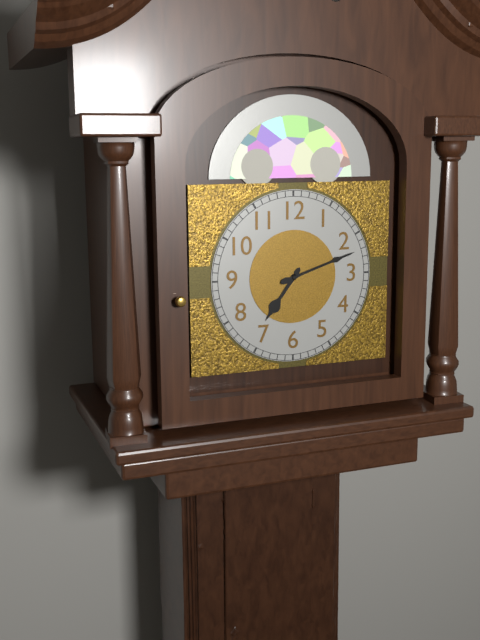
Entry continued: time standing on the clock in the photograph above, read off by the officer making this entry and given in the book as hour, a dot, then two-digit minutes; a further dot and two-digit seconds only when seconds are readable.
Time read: 7.12
